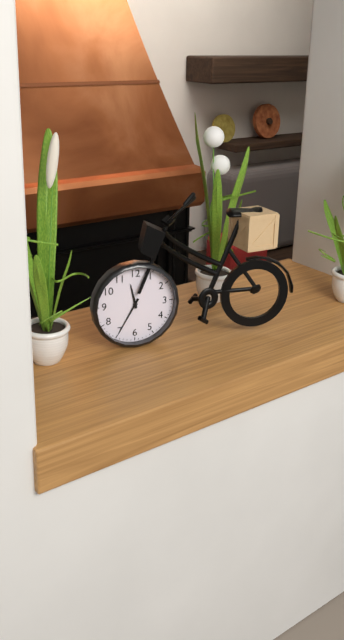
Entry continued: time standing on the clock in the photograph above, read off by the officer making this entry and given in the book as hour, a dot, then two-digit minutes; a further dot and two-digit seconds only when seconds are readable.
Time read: 11.35
